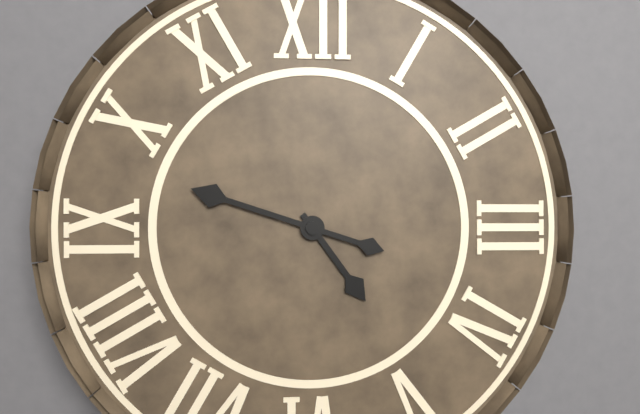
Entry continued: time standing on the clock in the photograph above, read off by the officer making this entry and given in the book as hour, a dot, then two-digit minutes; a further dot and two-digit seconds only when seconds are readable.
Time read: 4.48
